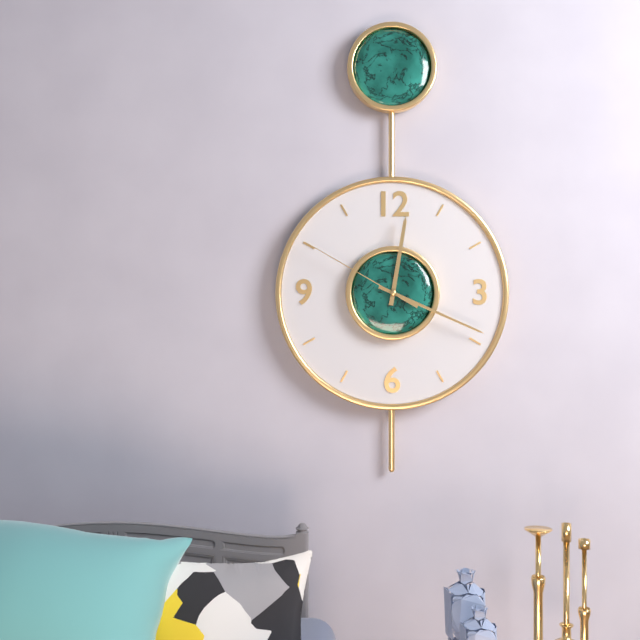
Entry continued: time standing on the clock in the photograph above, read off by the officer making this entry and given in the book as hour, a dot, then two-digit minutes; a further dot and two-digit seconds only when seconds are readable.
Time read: 12.19.50
